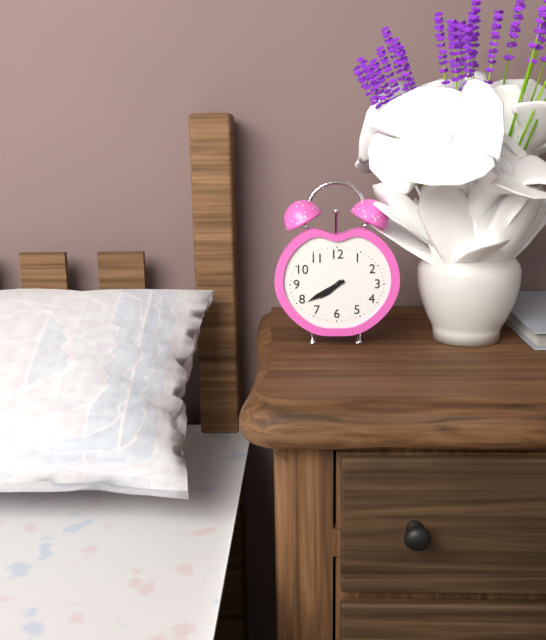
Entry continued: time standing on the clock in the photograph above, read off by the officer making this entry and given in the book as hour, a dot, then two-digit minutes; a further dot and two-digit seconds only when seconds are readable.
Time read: 7.40
